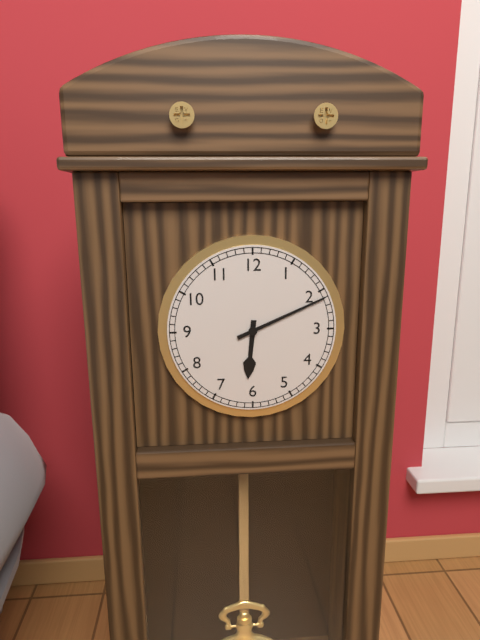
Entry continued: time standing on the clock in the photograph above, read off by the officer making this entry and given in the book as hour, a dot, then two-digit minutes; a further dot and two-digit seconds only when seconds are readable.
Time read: 6.11
